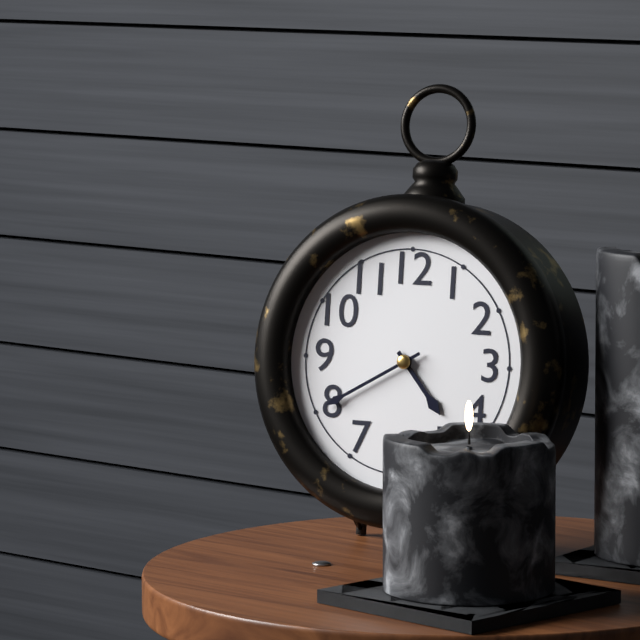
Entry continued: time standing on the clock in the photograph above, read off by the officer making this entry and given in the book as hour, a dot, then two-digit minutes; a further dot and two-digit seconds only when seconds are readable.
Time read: 4.40
